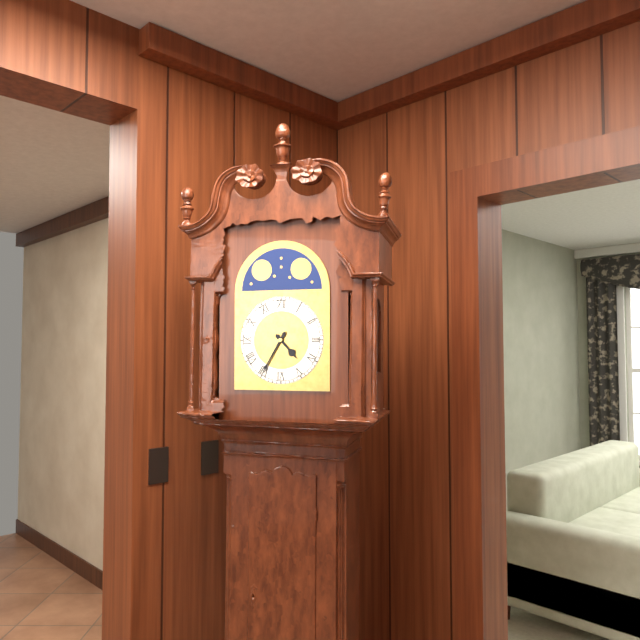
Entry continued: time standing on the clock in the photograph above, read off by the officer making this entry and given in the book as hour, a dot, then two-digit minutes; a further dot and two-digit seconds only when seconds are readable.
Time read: 4.35
